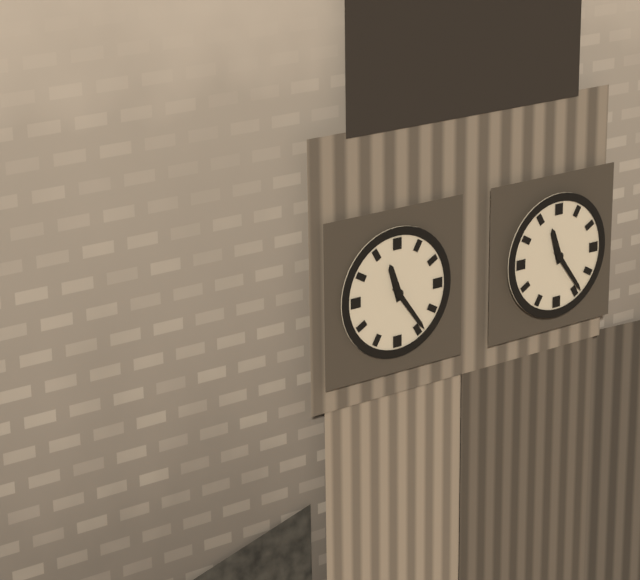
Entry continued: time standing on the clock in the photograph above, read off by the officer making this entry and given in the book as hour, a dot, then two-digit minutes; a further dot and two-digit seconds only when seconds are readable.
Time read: 11.24
